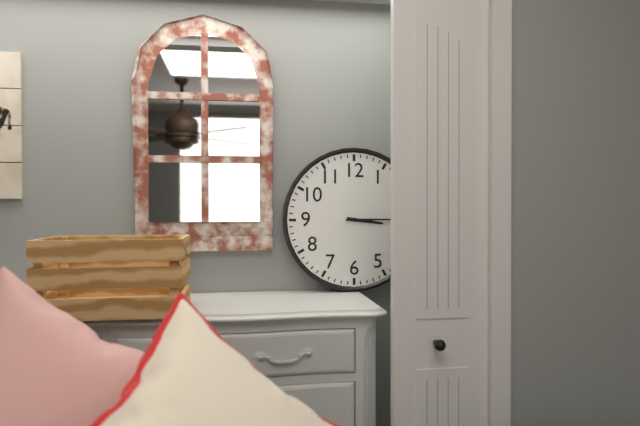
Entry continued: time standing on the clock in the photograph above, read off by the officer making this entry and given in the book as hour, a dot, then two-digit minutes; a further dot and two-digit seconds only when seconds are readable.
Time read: 3.15
